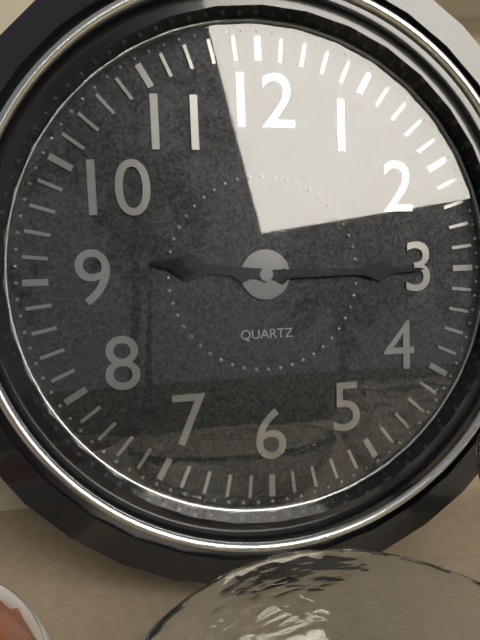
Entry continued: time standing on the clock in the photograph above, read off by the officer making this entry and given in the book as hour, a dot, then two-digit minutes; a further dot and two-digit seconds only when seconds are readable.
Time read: 9.15
